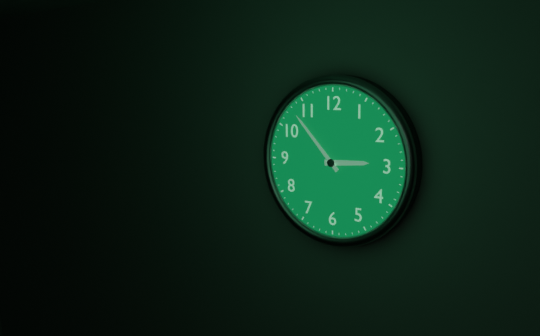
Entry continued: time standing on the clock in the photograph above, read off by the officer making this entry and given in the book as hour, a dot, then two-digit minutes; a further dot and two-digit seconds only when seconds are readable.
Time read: 2.53
